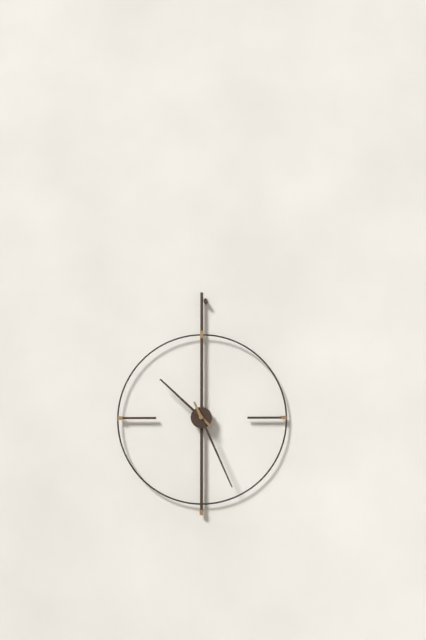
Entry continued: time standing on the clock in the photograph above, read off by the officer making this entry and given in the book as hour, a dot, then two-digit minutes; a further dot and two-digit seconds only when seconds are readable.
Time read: 10.26
